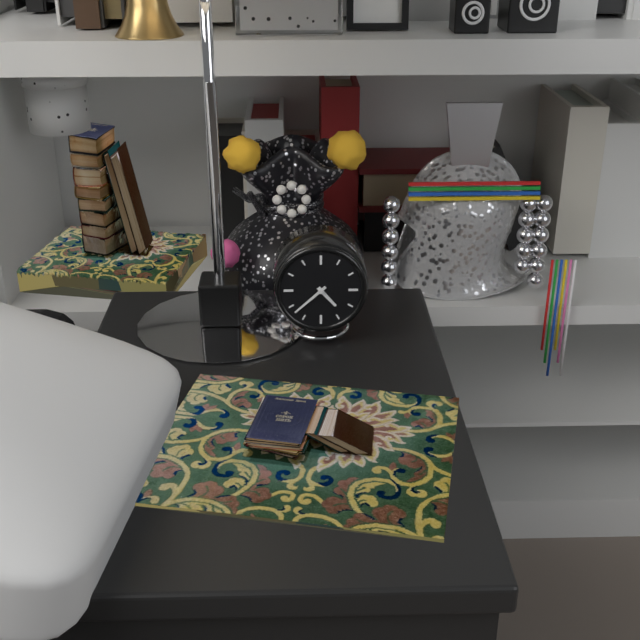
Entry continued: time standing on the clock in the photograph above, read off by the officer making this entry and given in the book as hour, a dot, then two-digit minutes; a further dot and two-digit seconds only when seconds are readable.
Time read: 4.38
